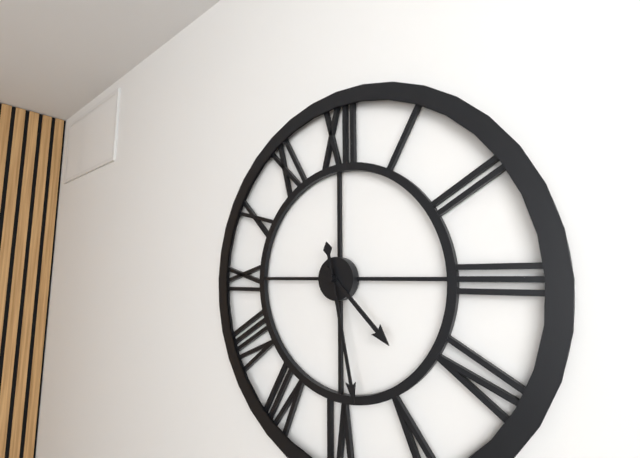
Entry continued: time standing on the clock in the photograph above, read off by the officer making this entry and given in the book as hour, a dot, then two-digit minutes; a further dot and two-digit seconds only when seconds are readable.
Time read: 4.28
